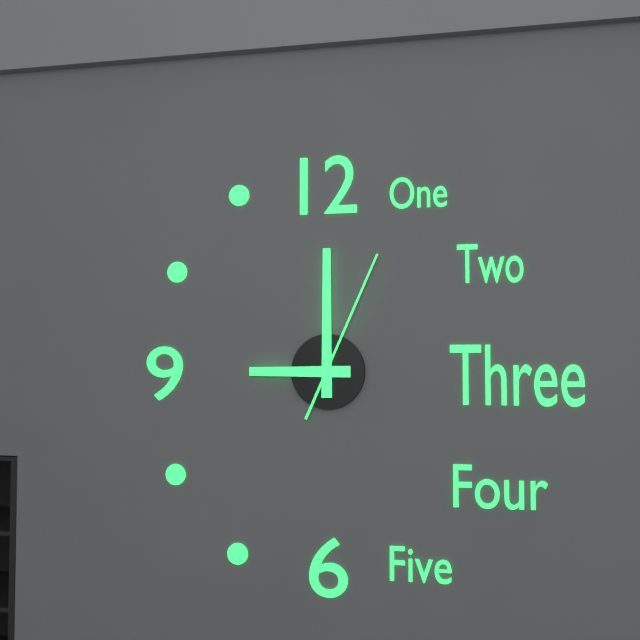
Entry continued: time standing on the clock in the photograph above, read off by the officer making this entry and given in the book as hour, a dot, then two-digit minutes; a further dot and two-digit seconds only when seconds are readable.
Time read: 9.00.04
